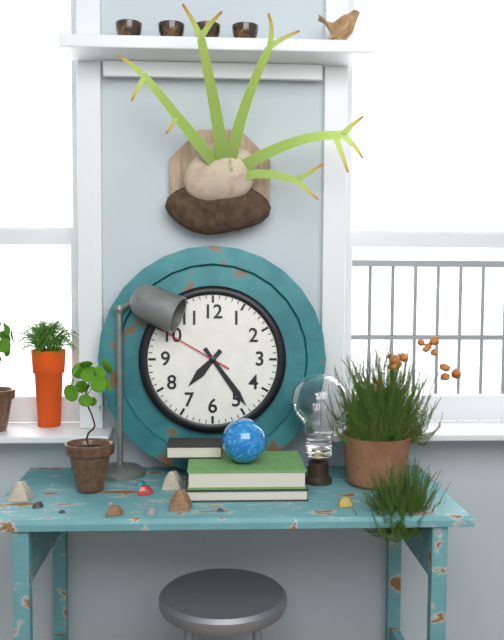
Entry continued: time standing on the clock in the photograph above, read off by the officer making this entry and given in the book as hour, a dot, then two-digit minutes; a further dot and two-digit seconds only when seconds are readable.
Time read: 7.24.50
